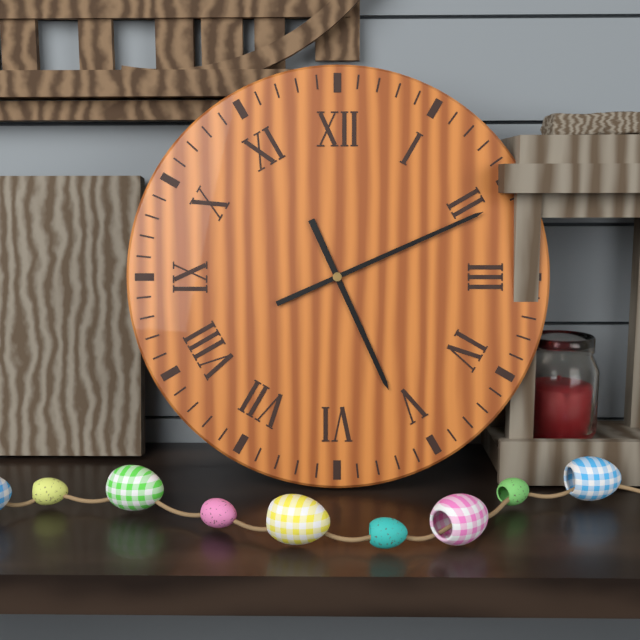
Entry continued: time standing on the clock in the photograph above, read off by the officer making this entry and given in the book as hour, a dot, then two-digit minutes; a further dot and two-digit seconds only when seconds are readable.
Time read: 5.11
